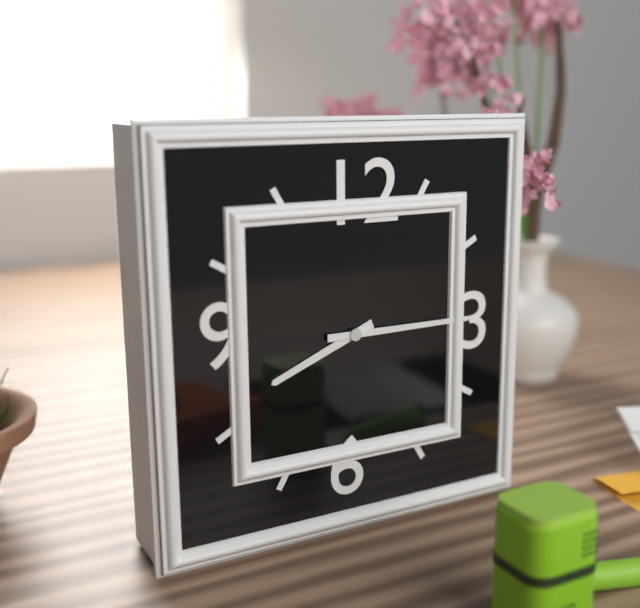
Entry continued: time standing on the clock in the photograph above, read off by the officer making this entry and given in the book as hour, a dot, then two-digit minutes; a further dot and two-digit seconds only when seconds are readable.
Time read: 8.15
